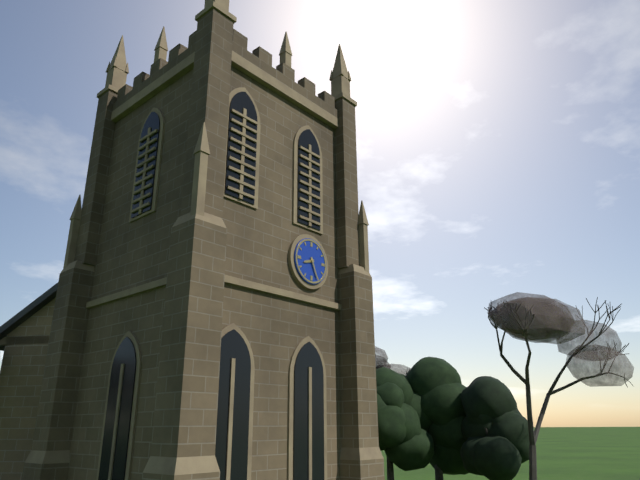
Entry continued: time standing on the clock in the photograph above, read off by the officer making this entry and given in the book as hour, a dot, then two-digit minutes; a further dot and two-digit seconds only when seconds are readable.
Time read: 8.26
